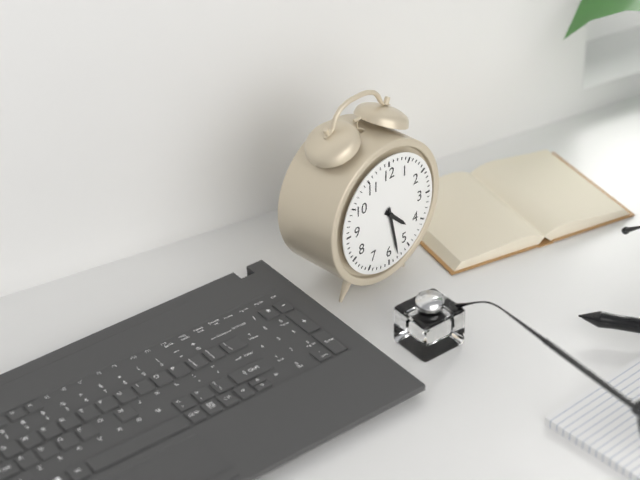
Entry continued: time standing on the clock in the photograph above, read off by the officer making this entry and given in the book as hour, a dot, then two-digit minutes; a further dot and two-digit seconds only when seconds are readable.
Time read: 4.28
